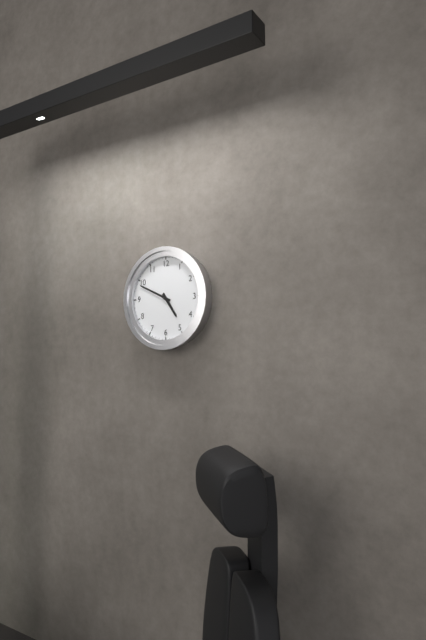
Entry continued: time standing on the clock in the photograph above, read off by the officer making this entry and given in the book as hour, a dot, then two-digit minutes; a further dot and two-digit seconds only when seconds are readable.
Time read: 4.49
